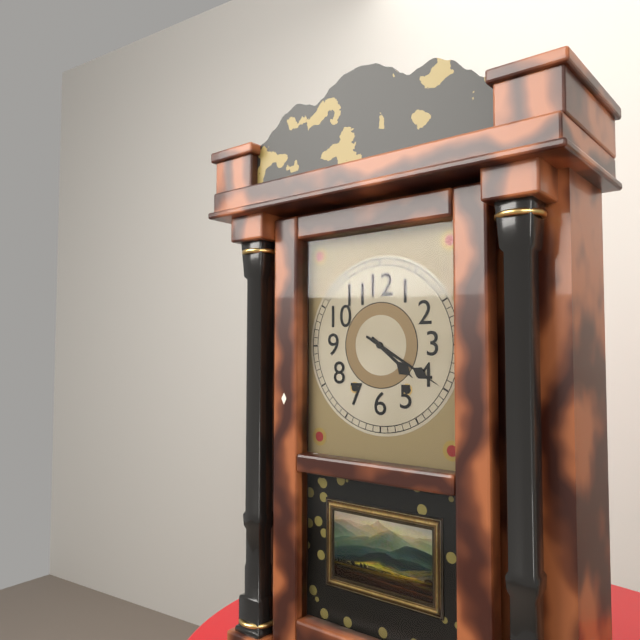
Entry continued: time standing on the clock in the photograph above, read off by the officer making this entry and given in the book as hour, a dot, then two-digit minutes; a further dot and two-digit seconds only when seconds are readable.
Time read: 4.20
